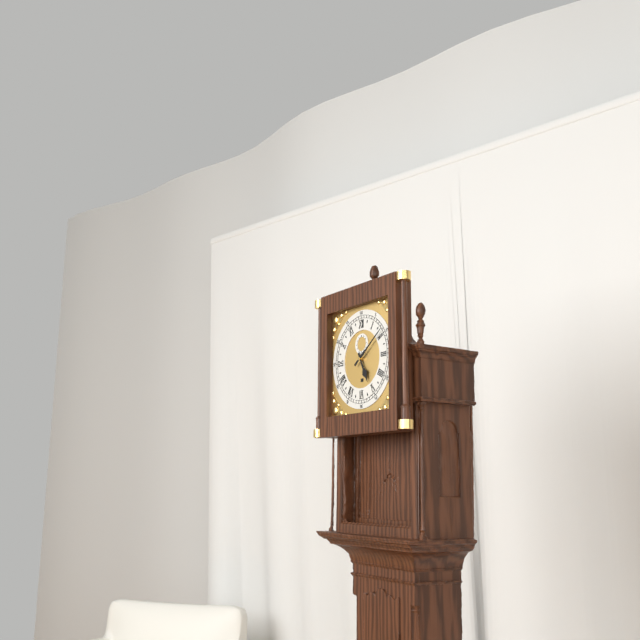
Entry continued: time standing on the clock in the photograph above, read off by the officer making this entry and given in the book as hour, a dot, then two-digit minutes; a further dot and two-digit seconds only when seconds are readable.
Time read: 5.09
